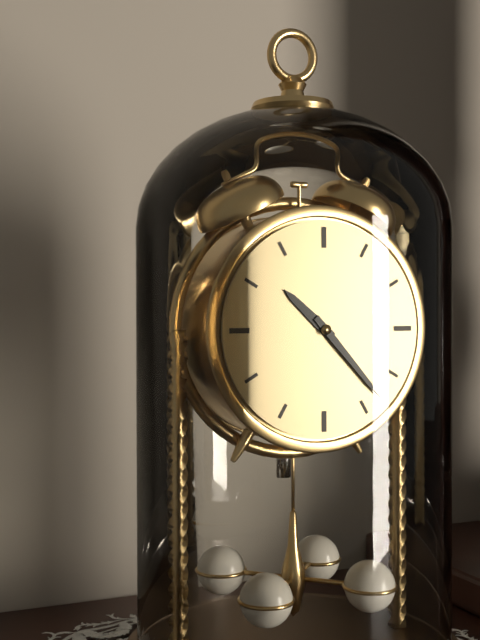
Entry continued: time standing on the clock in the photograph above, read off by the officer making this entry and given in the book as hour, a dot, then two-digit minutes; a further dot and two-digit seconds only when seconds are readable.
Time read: 10.23
